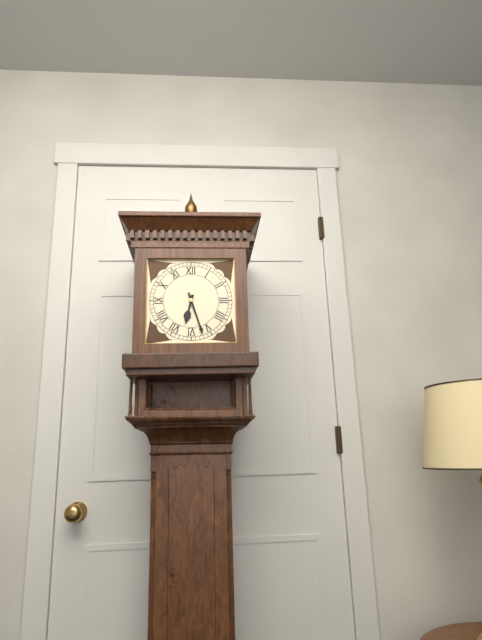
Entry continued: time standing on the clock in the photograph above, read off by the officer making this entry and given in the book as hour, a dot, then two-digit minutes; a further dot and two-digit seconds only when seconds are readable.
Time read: 6.27
